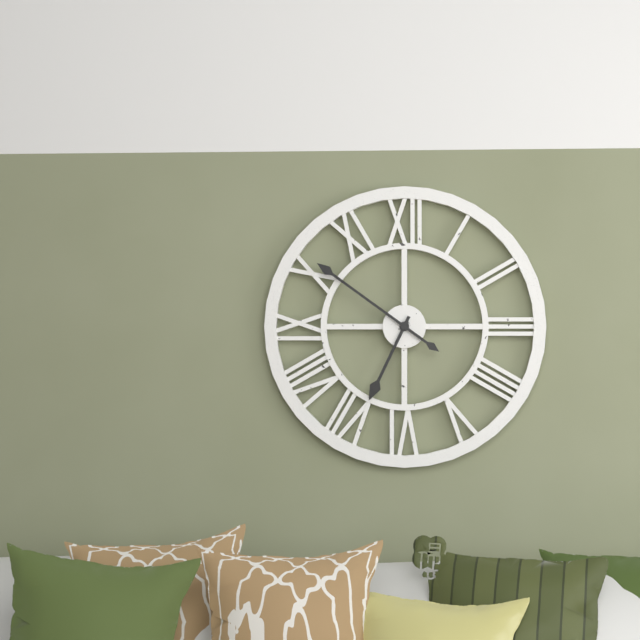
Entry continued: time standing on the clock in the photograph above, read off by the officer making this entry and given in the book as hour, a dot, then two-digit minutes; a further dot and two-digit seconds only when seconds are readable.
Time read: 6.51
